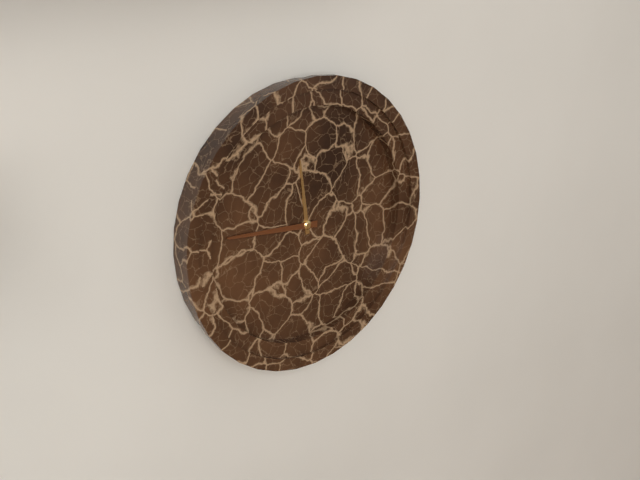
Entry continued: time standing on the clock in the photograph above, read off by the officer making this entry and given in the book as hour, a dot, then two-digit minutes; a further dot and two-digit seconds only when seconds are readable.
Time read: 11.46
